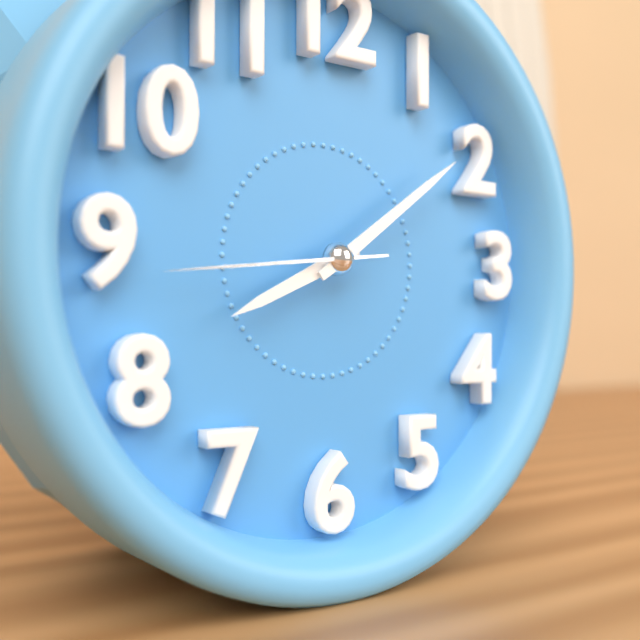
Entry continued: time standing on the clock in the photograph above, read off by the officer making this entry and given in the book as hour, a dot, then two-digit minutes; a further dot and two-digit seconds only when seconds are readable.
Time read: 8.09.44
